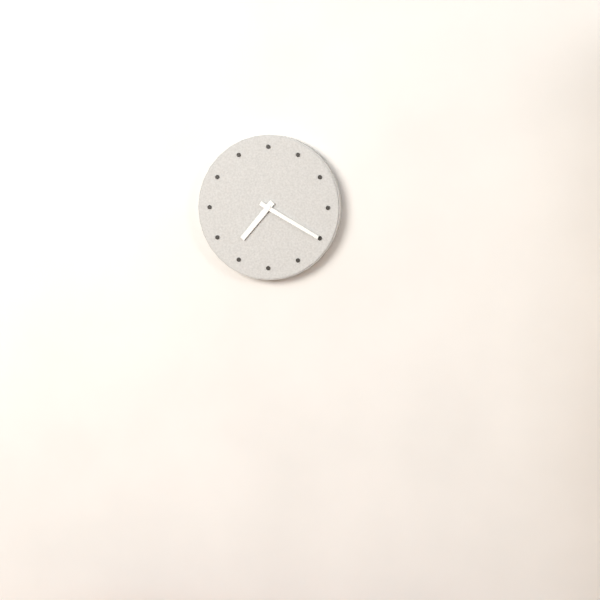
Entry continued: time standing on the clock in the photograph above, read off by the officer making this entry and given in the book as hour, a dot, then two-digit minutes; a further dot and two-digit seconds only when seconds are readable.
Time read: 7.20
